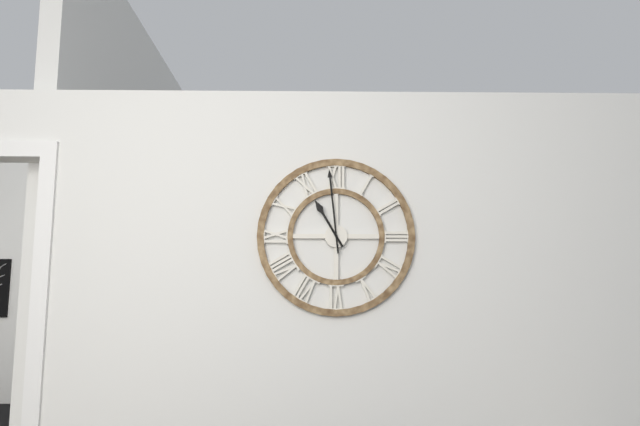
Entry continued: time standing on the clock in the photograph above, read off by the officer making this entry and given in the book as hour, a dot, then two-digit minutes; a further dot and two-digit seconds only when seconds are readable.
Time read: 10.59
